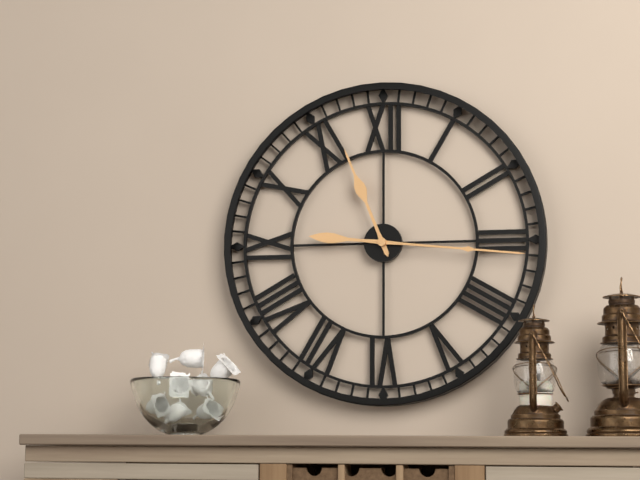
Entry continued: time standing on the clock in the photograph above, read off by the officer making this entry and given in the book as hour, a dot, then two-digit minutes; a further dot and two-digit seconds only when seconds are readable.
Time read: 11.16
